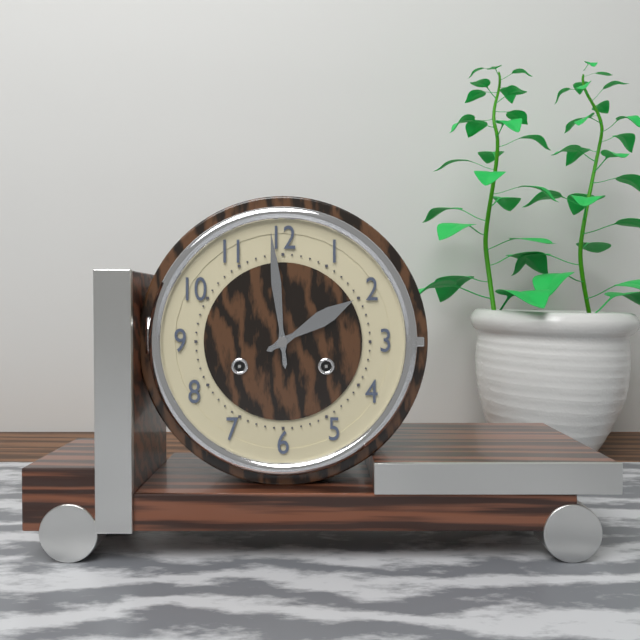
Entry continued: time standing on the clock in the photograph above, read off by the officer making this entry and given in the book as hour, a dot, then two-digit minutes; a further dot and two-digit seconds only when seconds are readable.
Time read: 1.59
